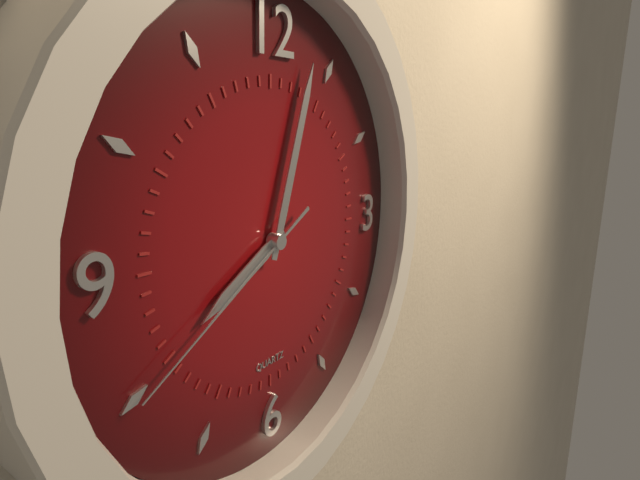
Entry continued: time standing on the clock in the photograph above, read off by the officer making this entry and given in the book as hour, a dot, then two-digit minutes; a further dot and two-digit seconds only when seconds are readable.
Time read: 8.03.40
